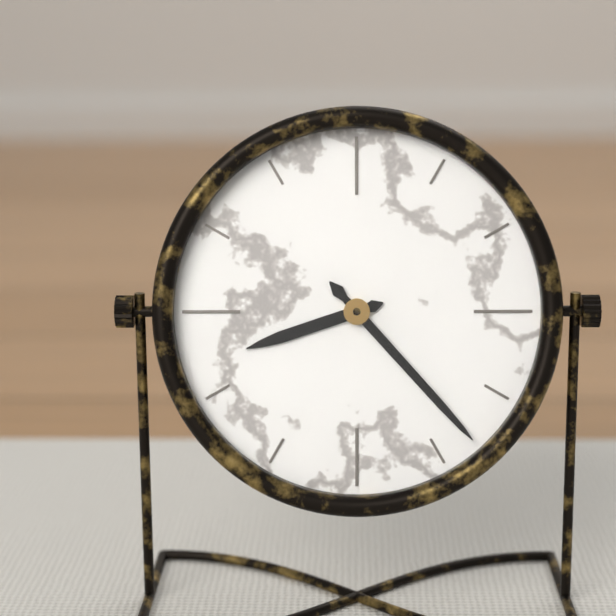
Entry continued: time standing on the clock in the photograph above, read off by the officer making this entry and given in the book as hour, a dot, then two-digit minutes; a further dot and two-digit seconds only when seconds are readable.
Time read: 8.23
